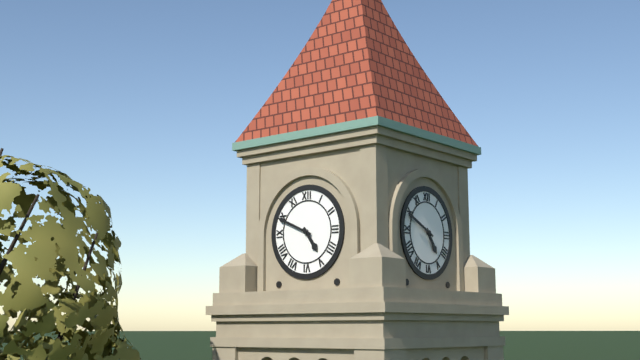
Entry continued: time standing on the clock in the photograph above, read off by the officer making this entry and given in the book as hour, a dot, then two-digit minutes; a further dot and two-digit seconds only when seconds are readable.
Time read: 4.49
